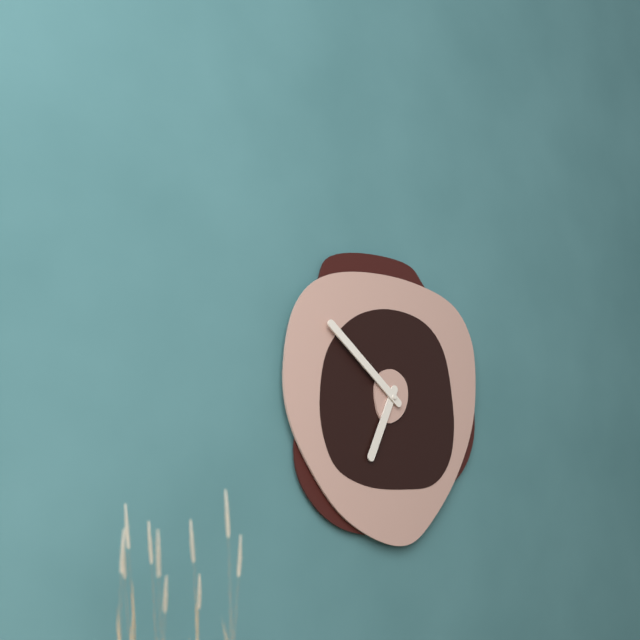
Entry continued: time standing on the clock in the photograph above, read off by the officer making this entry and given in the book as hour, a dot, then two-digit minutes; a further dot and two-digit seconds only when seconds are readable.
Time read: 6.51
